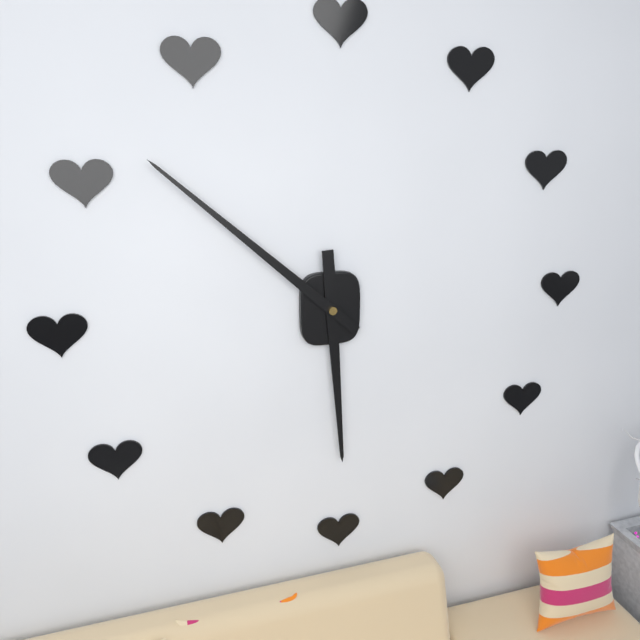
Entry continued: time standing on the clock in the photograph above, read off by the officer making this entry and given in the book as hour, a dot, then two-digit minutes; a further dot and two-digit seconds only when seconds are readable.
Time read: 5.52
